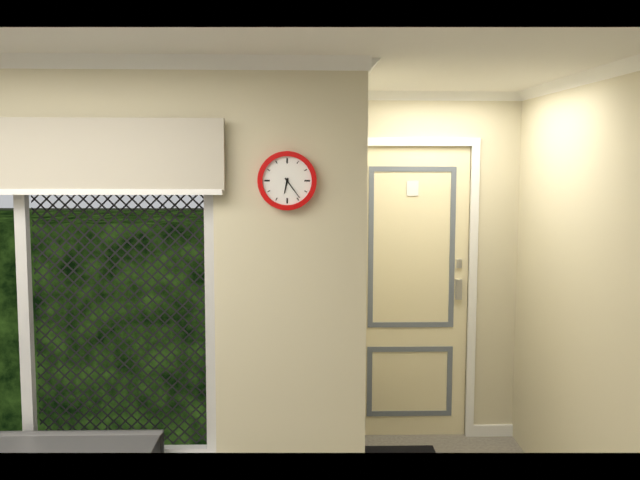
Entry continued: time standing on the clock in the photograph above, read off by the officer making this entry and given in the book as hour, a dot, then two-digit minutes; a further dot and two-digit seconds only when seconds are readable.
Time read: 6.24
